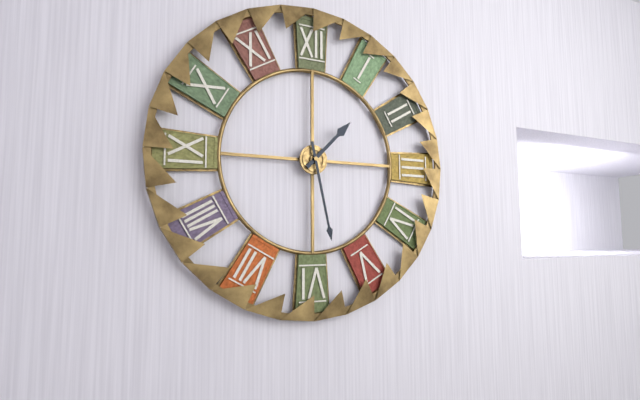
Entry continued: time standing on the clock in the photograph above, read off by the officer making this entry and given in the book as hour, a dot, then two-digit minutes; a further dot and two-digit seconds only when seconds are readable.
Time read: 1.28
